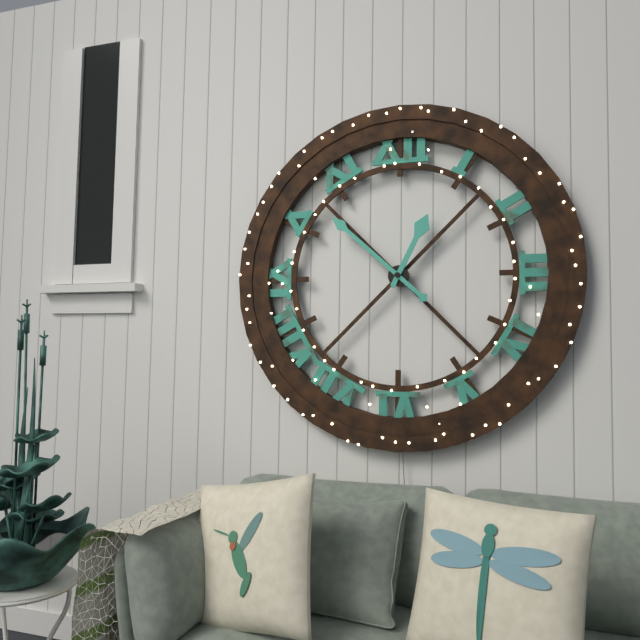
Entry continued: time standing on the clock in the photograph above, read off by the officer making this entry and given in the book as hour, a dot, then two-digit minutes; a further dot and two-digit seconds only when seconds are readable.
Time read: 12.52
